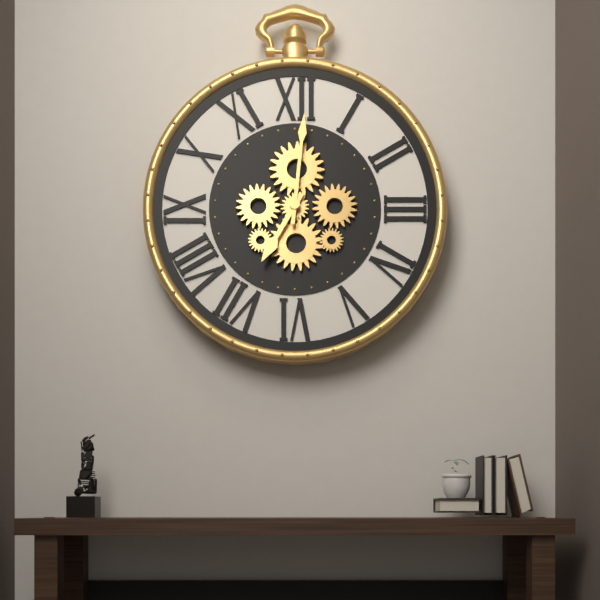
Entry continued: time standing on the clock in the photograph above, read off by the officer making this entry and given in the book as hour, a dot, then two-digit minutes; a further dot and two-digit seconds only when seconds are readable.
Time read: 7.01
